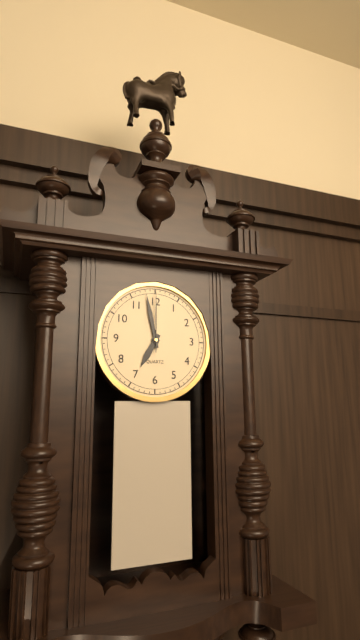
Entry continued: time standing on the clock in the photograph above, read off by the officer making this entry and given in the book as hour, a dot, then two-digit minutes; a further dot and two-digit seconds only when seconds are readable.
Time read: 6.58.00
